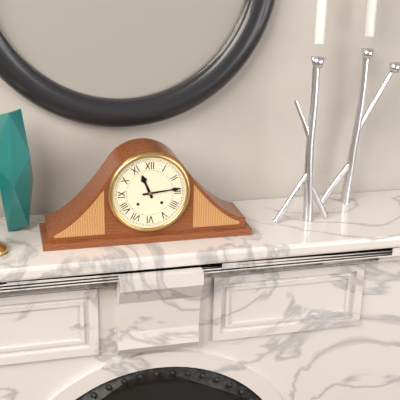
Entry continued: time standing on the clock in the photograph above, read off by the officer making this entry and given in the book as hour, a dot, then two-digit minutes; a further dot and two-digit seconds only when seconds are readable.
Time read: 11.14
